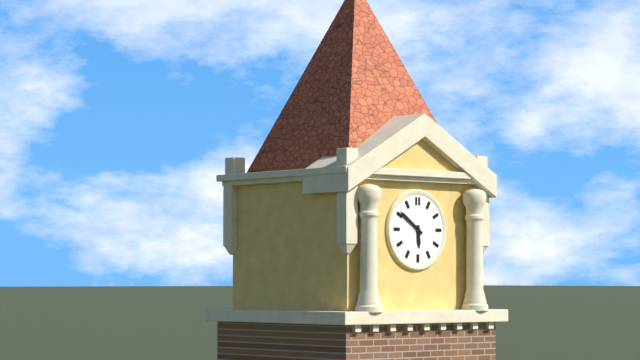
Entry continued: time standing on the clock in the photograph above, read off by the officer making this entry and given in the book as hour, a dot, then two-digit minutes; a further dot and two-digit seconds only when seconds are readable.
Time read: 5.51
